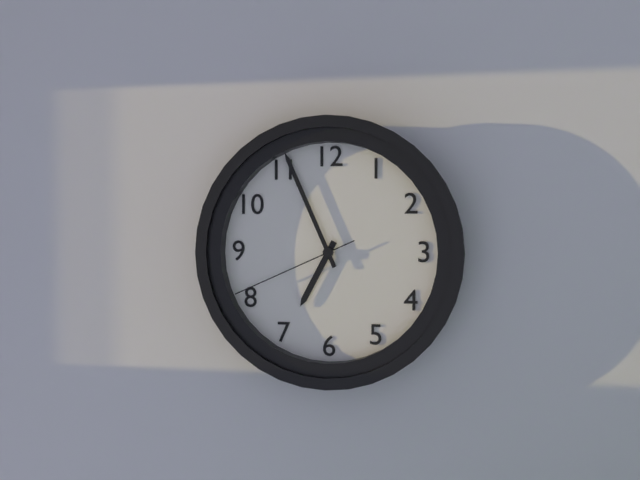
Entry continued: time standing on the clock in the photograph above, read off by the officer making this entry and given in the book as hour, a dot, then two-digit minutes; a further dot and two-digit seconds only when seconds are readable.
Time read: 6.56.41
